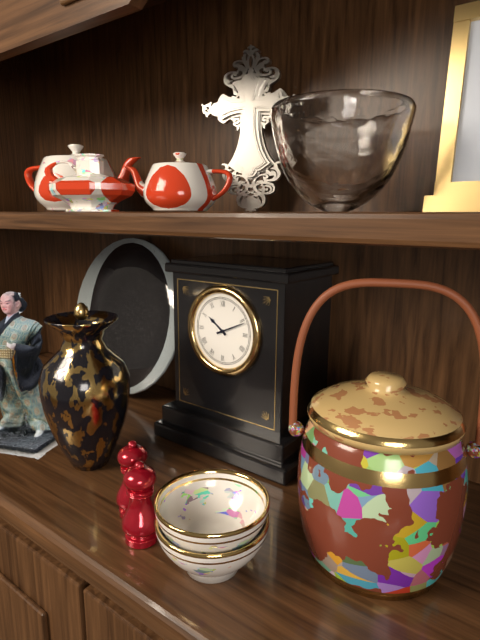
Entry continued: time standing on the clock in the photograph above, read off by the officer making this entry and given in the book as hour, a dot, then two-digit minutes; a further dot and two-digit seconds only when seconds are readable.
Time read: 10.11
